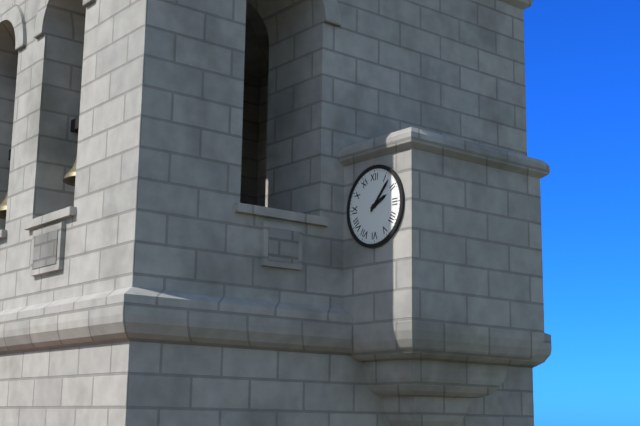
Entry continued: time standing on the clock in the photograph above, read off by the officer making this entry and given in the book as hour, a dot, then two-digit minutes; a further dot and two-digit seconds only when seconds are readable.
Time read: 2.07
